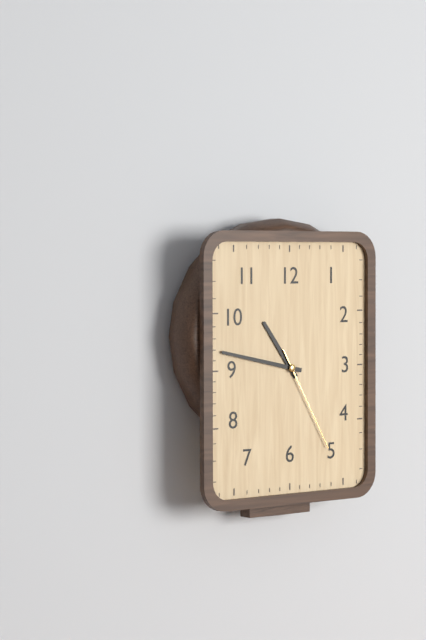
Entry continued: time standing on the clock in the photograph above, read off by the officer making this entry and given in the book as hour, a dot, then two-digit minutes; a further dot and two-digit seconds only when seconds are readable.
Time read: 10.47.25
